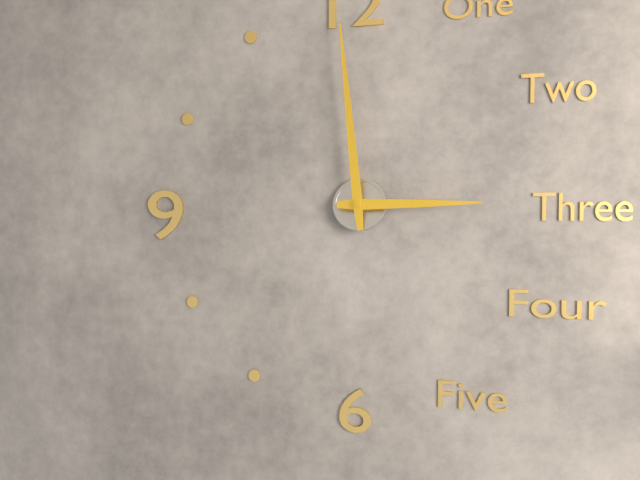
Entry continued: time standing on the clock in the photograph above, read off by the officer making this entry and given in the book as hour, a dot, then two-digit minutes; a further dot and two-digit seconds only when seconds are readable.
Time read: 2.59
